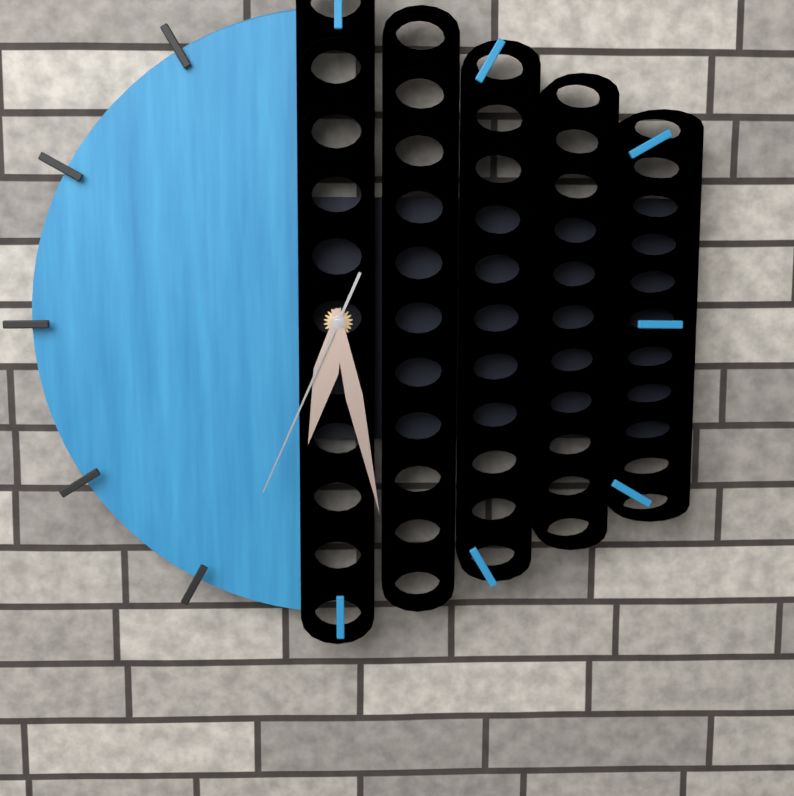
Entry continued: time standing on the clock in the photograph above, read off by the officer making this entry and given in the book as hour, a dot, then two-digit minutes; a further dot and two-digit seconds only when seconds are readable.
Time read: 6.28.34
